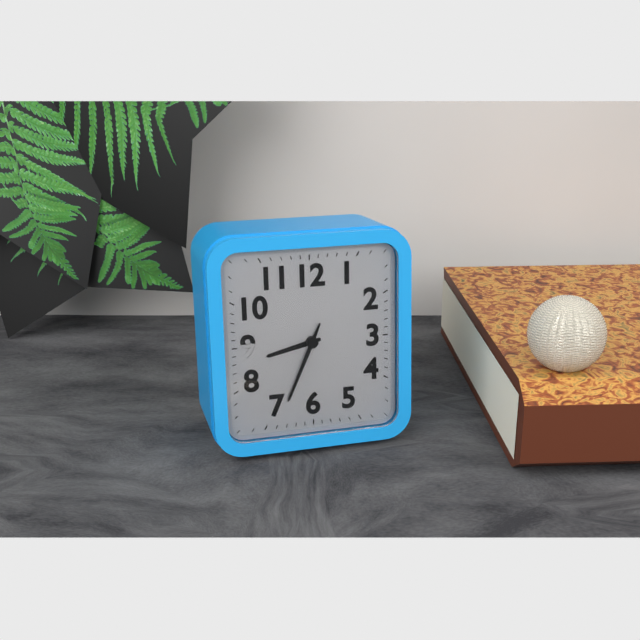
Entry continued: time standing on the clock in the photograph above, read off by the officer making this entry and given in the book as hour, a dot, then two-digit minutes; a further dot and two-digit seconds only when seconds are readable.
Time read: 8.34
